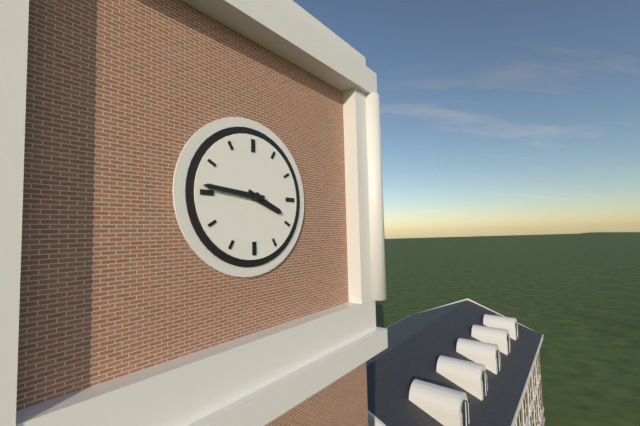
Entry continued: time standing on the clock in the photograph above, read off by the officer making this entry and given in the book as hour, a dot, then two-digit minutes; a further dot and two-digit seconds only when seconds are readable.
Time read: 3.46
